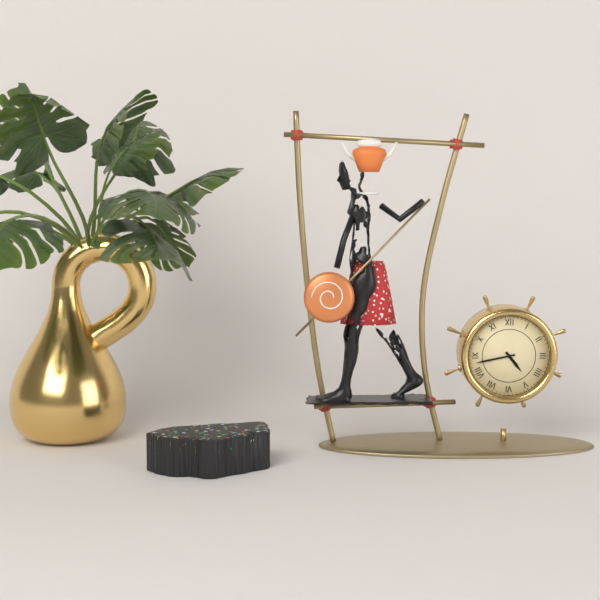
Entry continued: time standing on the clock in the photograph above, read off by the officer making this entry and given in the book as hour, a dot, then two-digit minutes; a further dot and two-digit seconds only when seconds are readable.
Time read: 4.43
